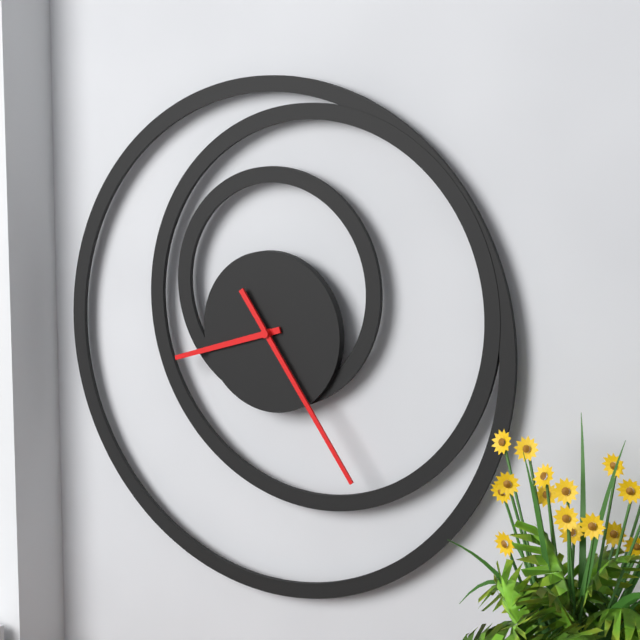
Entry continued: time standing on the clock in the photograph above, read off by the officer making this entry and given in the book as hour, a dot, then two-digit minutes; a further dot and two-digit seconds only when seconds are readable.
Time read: 8.24
